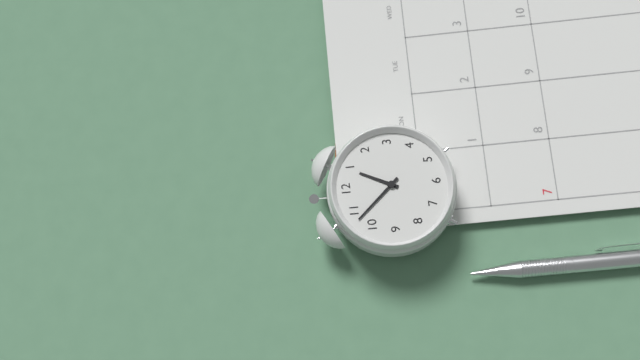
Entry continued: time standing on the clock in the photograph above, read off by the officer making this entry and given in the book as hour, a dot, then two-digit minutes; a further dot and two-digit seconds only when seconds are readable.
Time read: 12.53
